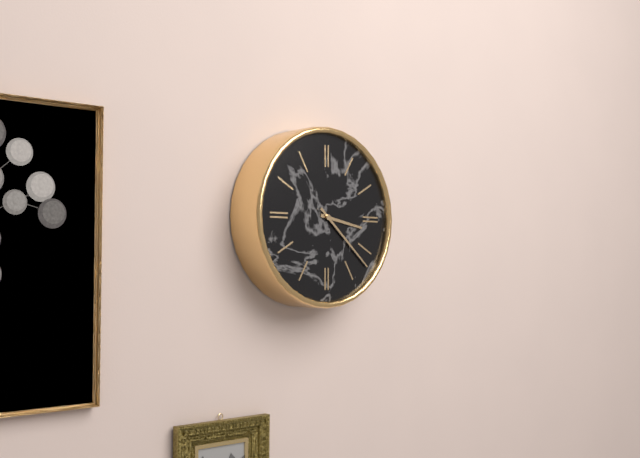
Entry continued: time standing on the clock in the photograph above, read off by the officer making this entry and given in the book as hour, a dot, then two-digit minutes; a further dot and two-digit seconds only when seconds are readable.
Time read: 3.22
